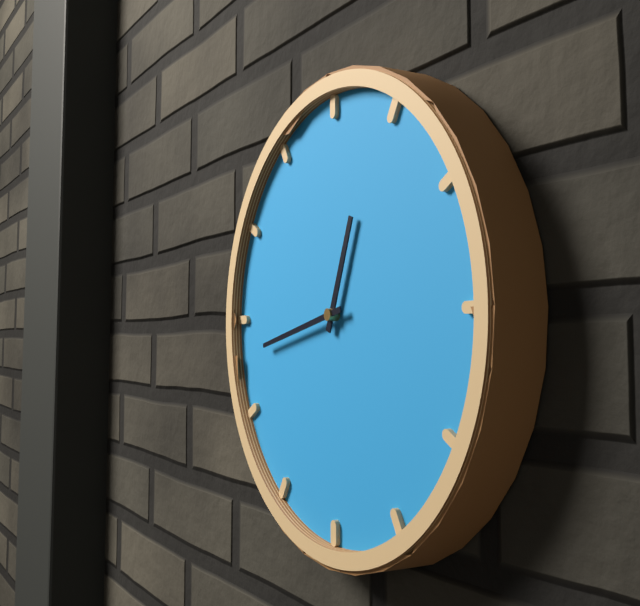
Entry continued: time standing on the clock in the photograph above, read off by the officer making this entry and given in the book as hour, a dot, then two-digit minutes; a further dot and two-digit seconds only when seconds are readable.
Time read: 12.43
